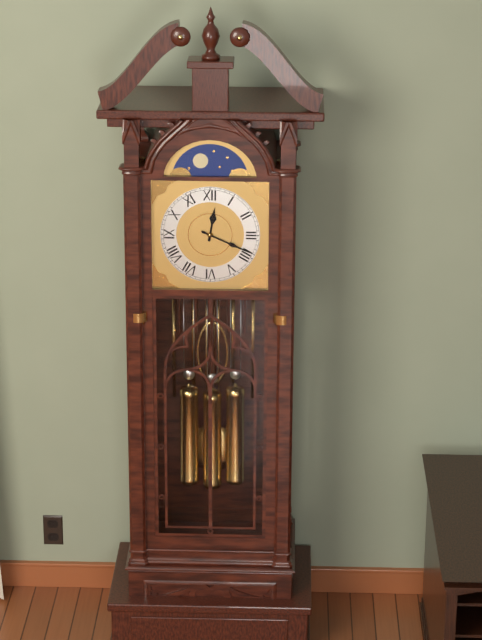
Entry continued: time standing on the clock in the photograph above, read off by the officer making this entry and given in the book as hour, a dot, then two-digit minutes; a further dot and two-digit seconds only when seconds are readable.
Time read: 12.19
